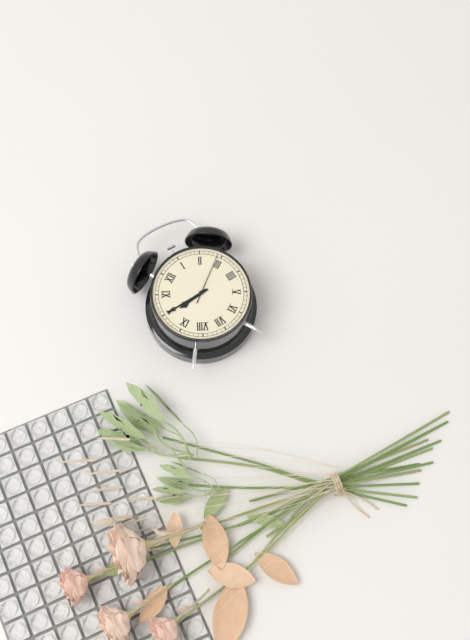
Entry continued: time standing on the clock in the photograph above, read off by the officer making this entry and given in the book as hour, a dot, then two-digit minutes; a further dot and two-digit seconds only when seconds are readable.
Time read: 9.50.14
